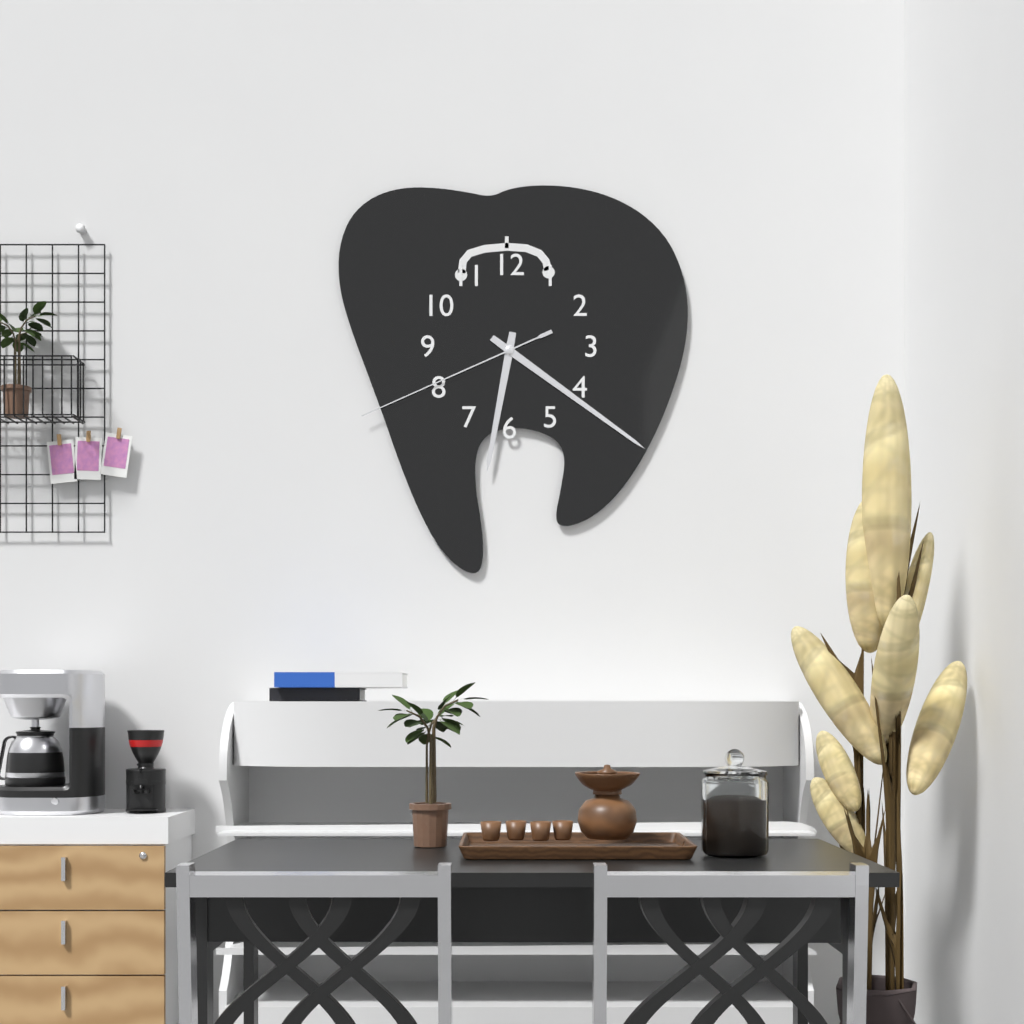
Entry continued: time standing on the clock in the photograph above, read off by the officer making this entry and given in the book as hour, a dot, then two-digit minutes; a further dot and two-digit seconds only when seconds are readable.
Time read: 6.21.41
